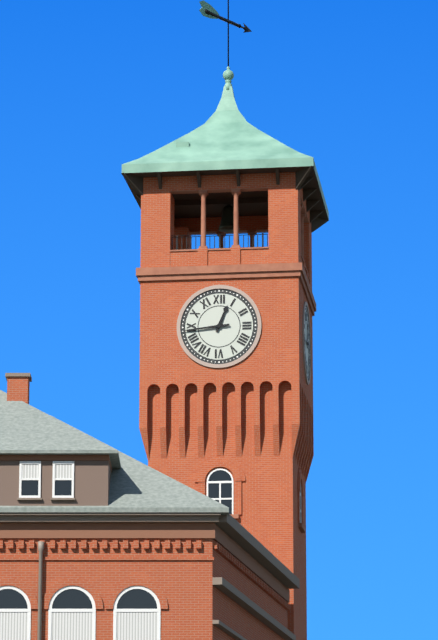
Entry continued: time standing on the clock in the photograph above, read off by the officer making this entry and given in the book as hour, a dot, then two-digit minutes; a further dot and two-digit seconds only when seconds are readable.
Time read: 12.44
